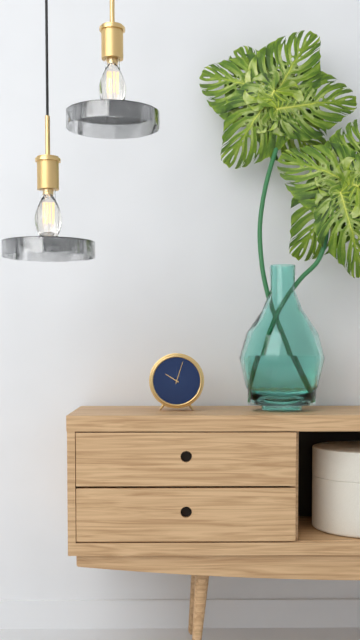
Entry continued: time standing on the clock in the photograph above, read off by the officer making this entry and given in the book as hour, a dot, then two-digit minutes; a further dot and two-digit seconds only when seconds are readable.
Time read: 10.03
